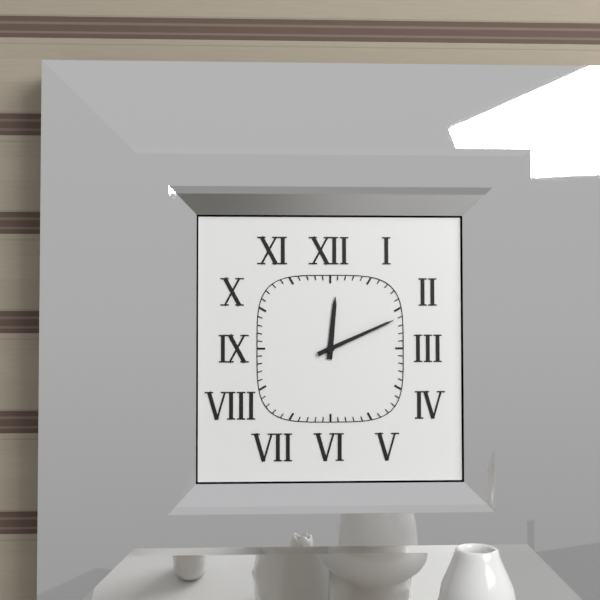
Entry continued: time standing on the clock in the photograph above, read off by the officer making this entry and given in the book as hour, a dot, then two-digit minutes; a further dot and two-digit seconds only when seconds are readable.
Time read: 12.11
